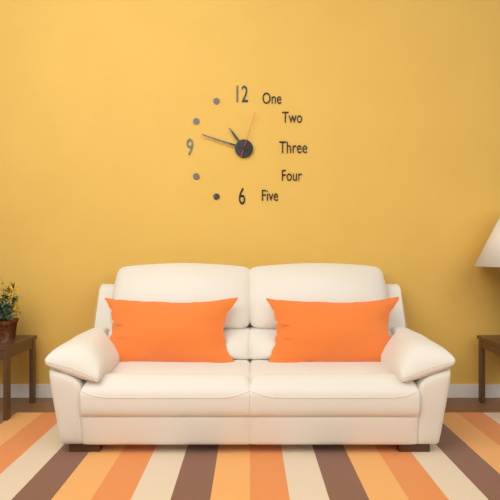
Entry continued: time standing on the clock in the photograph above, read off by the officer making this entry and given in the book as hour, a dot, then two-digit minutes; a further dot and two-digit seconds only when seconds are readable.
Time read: 10.48
